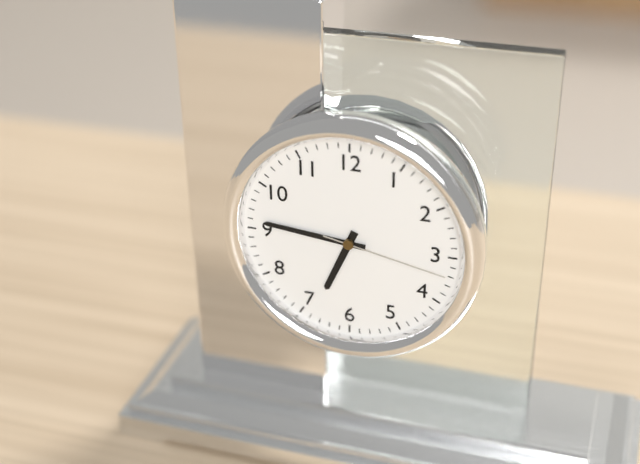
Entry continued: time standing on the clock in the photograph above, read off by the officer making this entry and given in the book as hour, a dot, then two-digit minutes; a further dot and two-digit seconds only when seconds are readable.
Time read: 6.46.17
